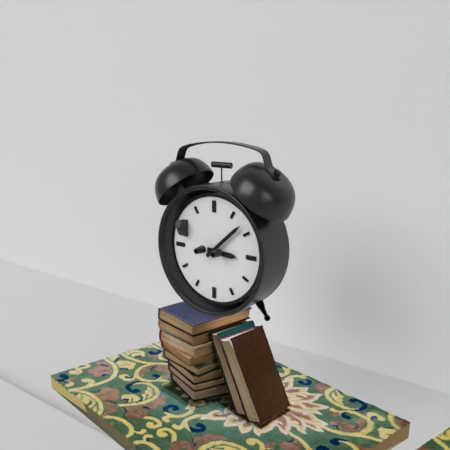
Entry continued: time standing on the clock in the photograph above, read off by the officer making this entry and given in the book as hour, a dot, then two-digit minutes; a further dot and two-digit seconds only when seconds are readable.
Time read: 3.08
